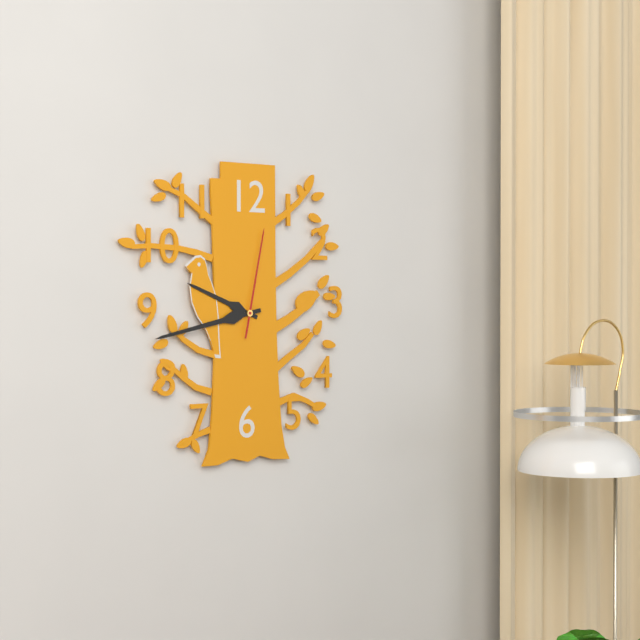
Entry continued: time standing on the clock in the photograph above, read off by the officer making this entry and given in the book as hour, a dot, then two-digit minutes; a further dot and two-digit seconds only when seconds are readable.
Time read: 9.43.02
